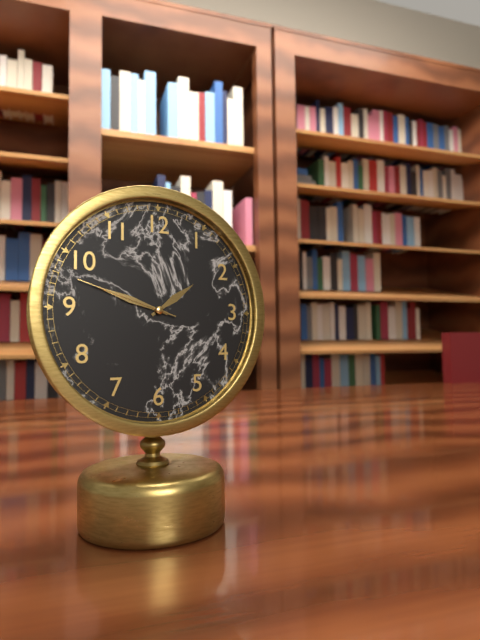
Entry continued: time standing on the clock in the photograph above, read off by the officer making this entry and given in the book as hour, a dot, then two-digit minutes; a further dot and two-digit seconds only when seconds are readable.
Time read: 1.48.48
